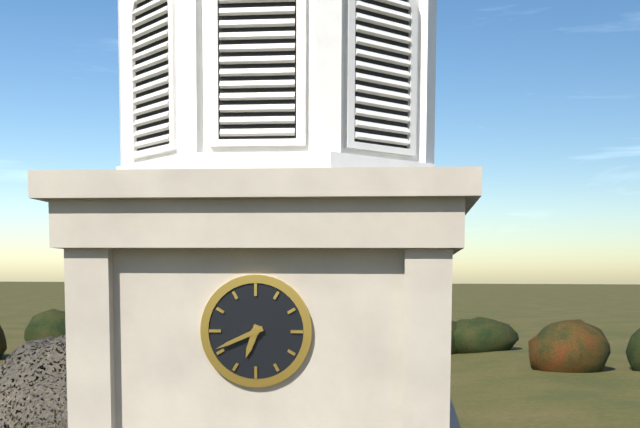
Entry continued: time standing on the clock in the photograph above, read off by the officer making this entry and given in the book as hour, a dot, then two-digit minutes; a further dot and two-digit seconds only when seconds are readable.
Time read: 6.41
